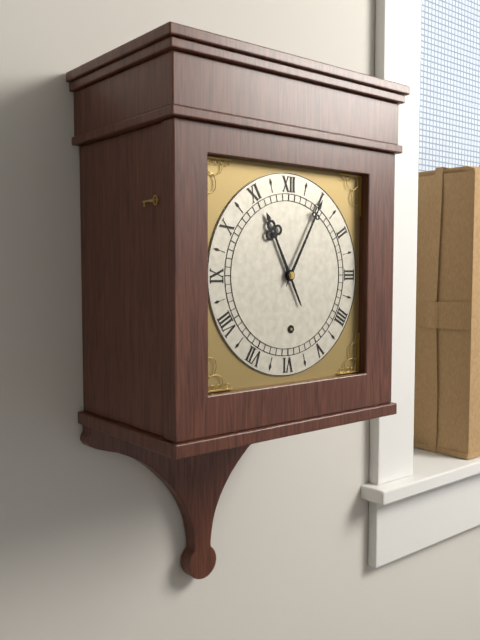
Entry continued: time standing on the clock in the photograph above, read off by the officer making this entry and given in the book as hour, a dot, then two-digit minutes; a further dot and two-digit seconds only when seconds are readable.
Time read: 11.05
